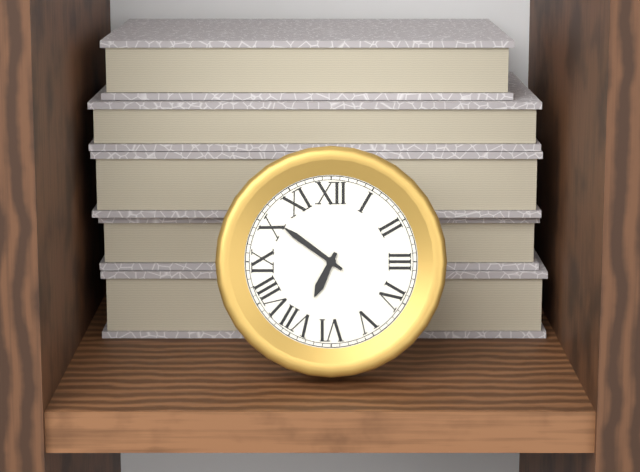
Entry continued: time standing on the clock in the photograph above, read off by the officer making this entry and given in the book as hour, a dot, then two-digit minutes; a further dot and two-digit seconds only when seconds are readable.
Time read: 6.51
